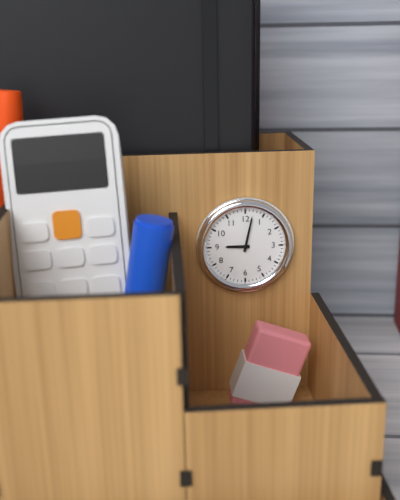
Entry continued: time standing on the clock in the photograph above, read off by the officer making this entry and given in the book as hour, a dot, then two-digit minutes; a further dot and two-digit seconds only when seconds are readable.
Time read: 9.02
